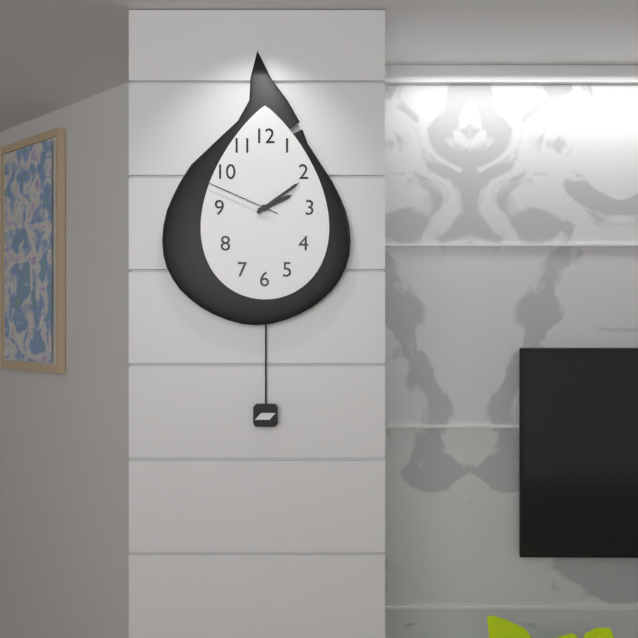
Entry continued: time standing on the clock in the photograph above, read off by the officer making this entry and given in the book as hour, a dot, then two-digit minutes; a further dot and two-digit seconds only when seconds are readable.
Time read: 2.09.49
